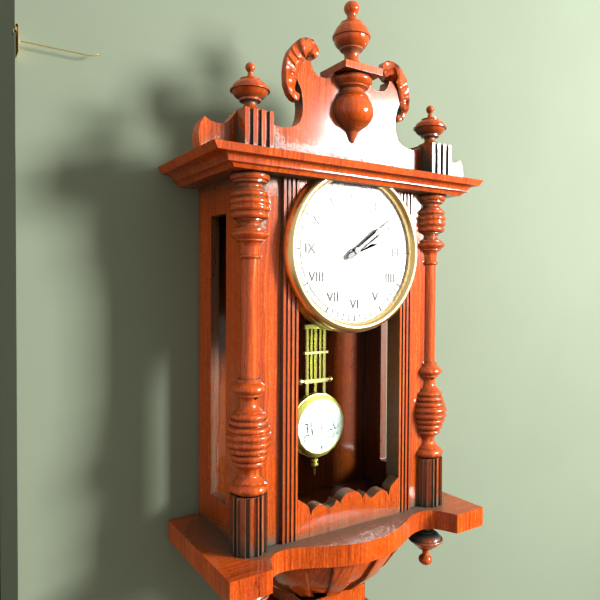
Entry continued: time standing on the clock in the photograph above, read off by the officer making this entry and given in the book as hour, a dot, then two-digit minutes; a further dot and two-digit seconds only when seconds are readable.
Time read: 2.09
